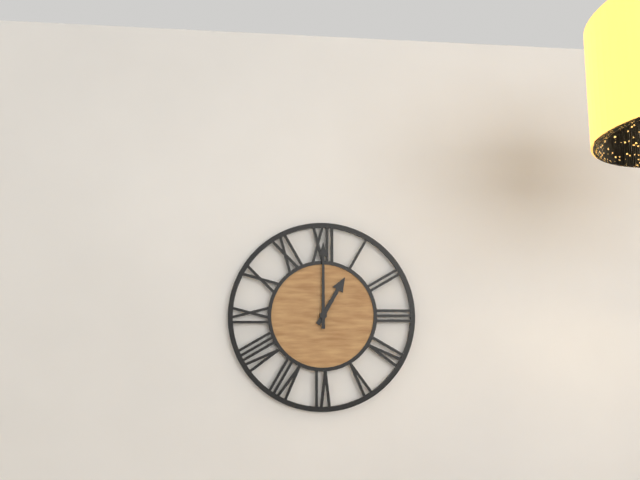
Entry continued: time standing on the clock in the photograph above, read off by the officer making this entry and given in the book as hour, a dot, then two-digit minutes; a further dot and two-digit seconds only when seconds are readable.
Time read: 1.00
